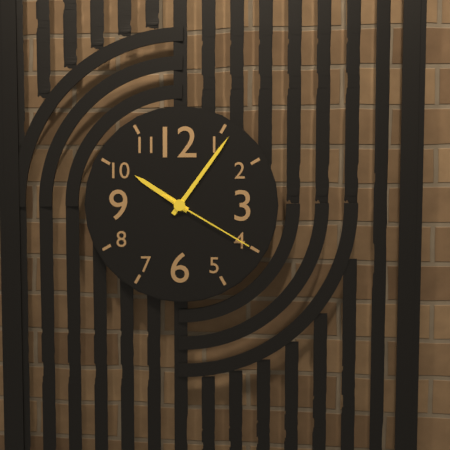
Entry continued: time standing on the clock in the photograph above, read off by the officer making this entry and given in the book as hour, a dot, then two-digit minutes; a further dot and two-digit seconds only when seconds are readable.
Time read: 10.06.20
